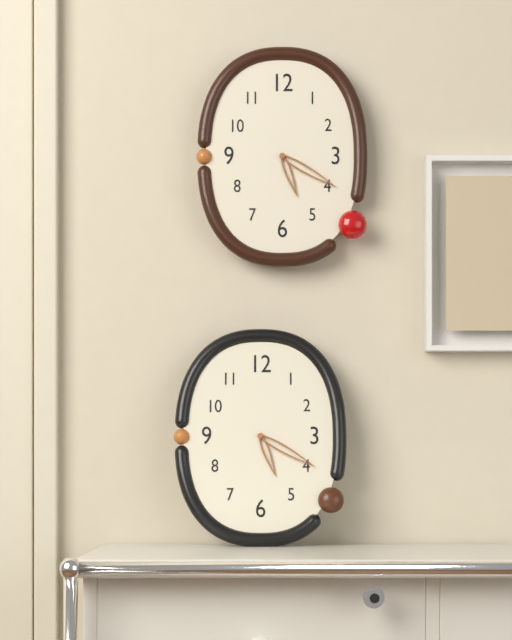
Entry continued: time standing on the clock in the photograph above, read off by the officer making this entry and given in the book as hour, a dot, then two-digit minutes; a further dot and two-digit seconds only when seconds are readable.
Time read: 5.20
